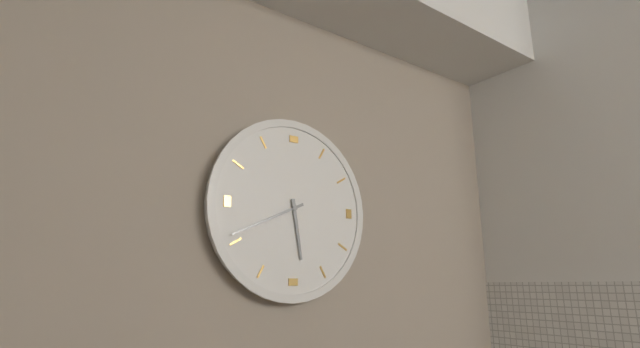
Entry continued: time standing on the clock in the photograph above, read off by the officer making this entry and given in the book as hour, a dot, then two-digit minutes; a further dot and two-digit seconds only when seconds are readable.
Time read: 5.41
